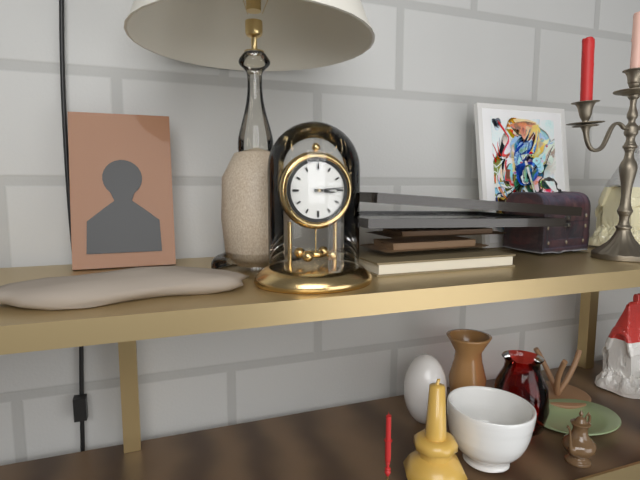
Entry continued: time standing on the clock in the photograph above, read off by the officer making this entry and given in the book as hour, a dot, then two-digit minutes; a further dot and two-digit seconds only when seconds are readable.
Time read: 3.14
